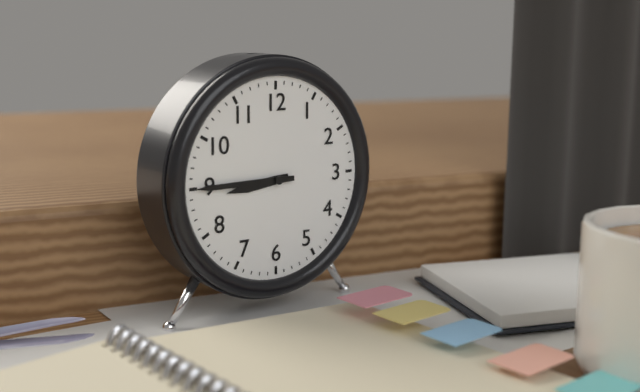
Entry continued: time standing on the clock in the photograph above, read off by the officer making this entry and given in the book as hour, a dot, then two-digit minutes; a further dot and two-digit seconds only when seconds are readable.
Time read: 8.45
